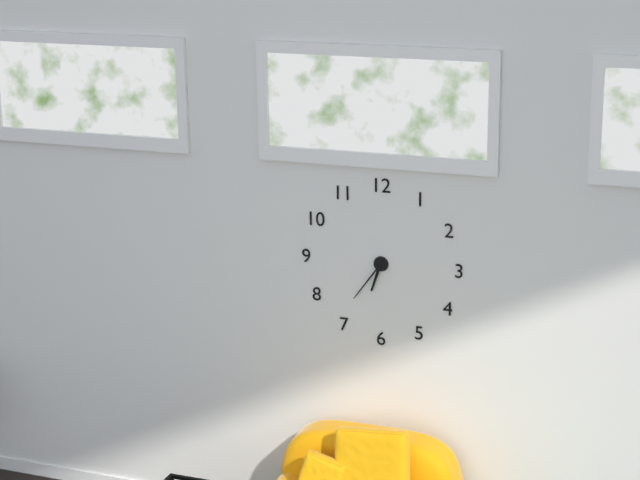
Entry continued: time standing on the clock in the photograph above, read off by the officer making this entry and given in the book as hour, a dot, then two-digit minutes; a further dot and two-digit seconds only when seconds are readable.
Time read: 6.36
